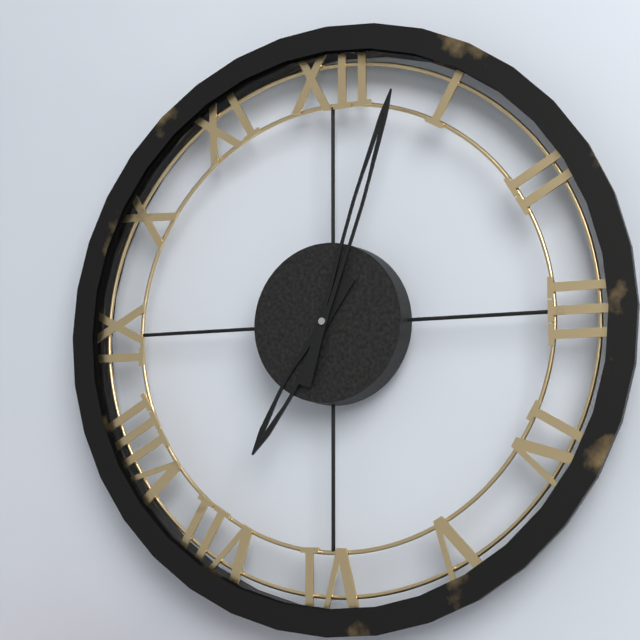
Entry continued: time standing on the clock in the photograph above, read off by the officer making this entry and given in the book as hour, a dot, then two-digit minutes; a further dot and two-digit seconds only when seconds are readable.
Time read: 7.03
